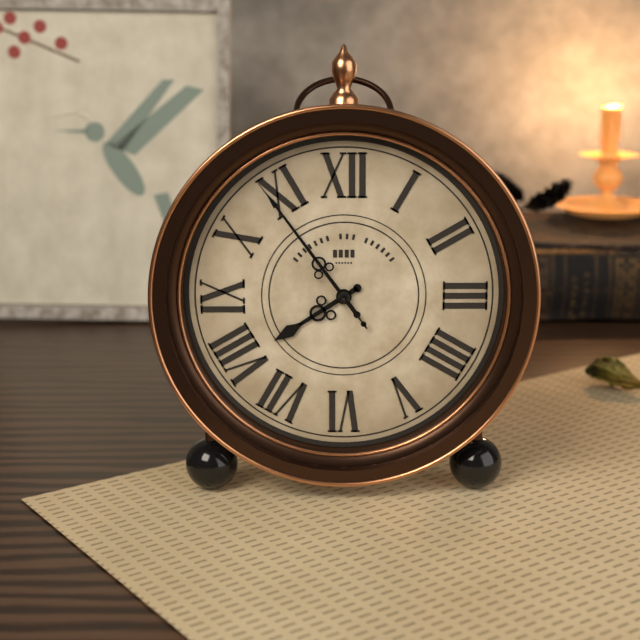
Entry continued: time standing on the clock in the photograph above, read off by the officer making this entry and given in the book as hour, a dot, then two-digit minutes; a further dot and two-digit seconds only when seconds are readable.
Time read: 7.54.54
